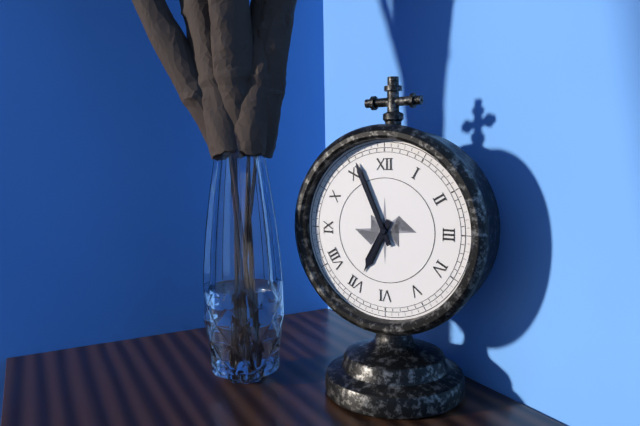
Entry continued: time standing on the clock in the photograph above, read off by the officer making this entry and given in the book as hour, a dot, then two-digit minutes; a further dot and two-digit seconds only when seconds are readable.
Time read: 6.56
